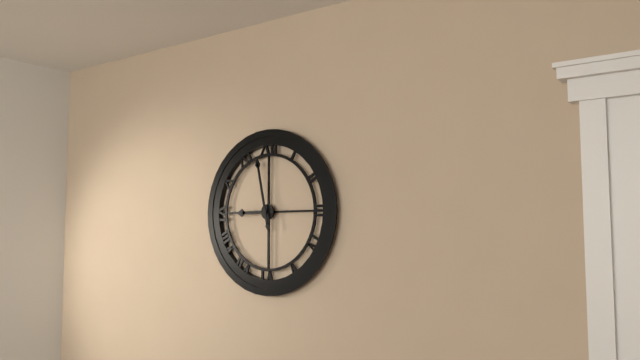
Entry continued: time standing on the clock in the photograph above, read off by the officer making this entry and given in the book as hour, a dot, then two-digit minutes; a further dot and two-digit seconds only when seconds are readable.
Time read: 8.58
